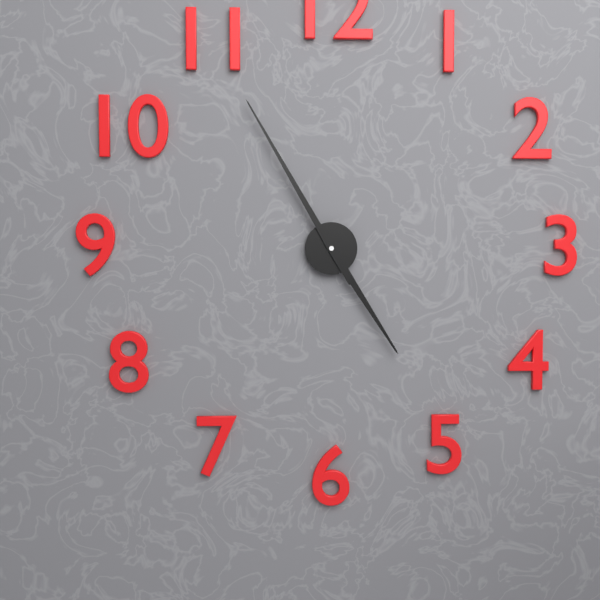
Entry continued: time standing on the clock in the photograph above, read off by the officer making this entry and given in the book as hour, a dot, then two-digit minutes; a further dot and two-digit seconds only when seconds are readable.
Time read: 4.55
